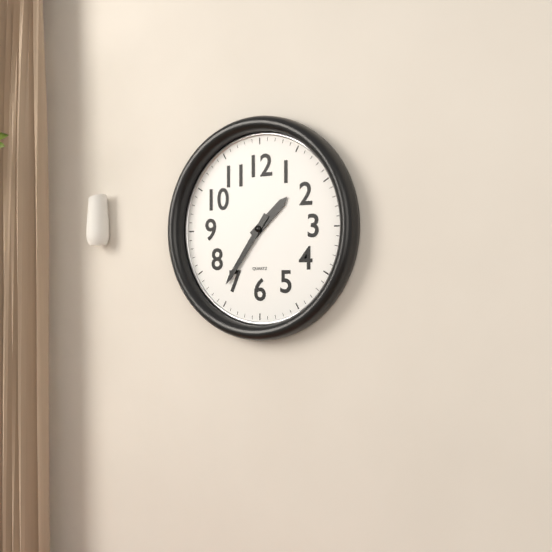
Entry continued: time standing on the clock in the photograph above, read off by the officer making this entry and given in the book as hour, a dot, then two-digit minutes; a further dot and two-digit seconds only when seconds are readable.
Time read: 1.36
